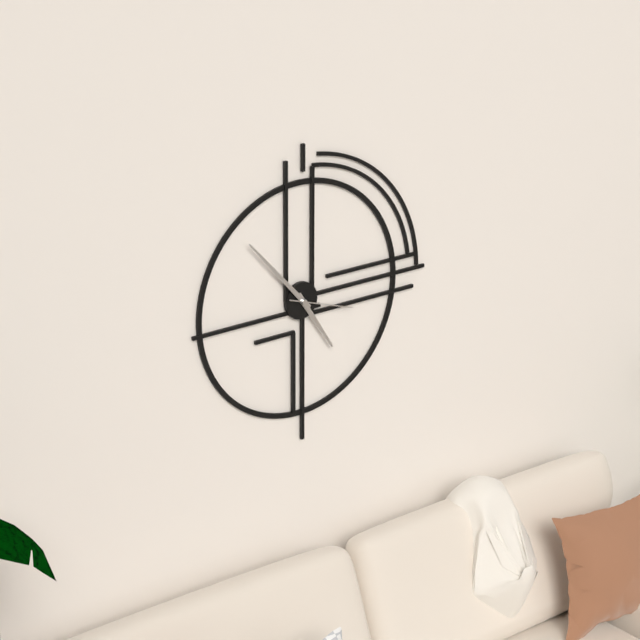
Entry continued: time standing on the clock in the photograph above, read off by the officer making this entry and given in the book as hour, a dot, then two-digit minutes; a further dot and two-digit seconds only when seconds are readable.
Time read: 4.53.18
